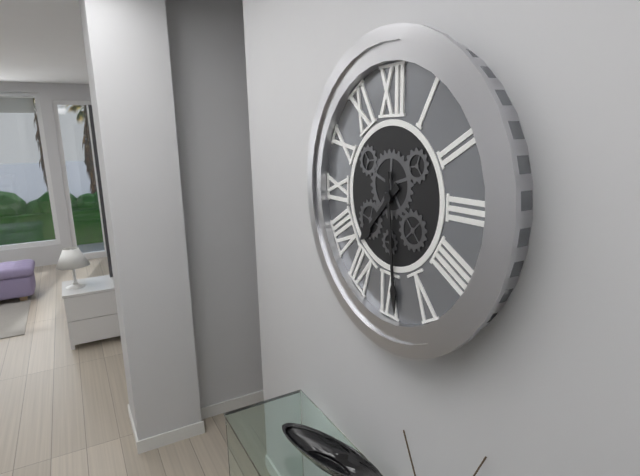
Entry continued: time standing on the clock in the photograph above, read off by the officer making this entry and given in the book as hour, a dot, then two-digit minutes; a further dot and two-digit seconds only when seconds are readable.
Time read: 7.29
